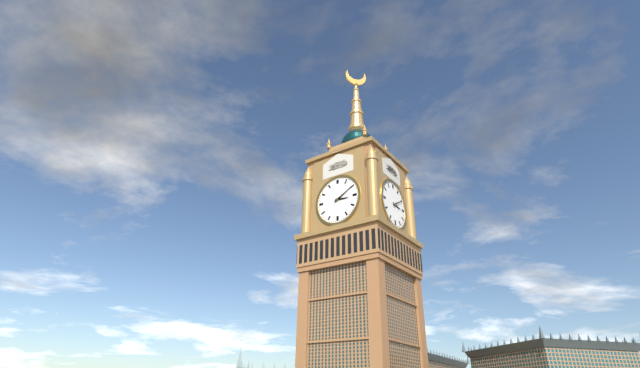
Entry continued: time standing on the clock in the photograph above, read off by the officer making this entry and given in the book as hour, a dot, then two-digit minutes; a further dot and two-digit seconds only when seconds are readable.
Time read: 3.10
